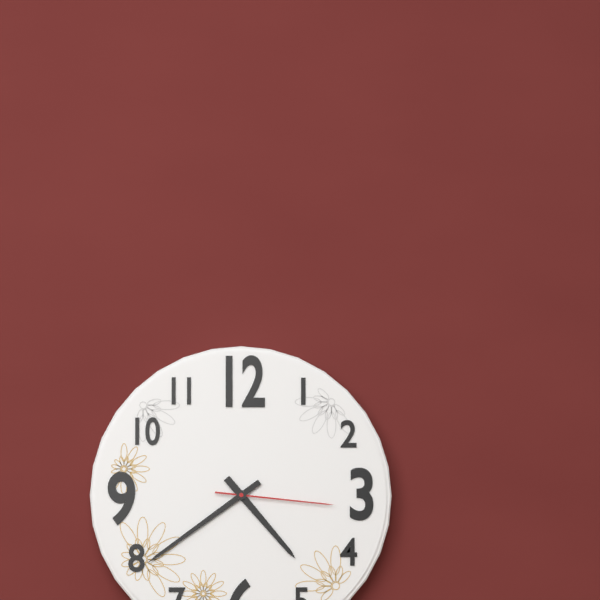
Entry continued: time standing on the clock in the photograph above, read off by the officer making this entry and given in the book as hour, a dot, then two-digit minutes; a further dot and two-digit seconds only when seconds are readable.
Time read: 4.39.16
